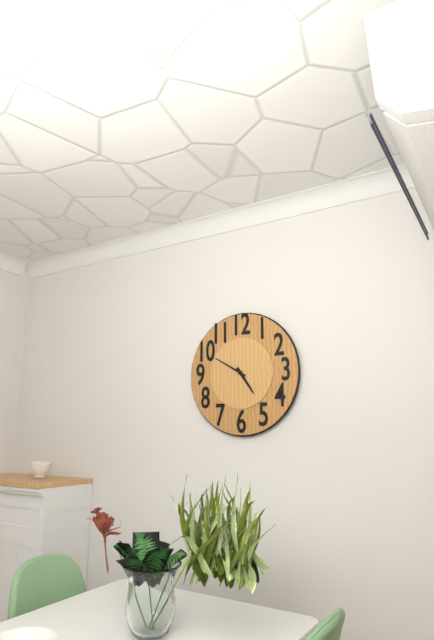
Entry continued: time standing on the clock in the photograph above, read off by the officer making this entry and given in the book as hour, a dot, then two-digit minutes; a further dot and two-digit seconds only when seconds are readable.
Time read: 4.50
